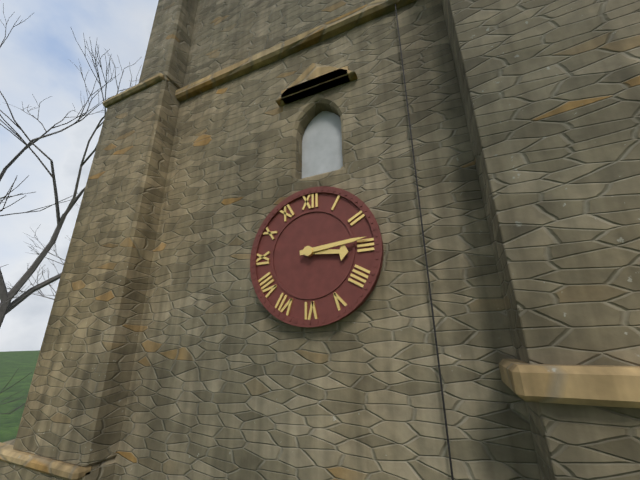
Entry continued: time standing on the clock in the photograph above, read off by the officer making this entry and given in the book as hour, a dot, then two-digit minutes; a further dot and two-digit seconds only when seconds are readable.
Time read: 3.14
